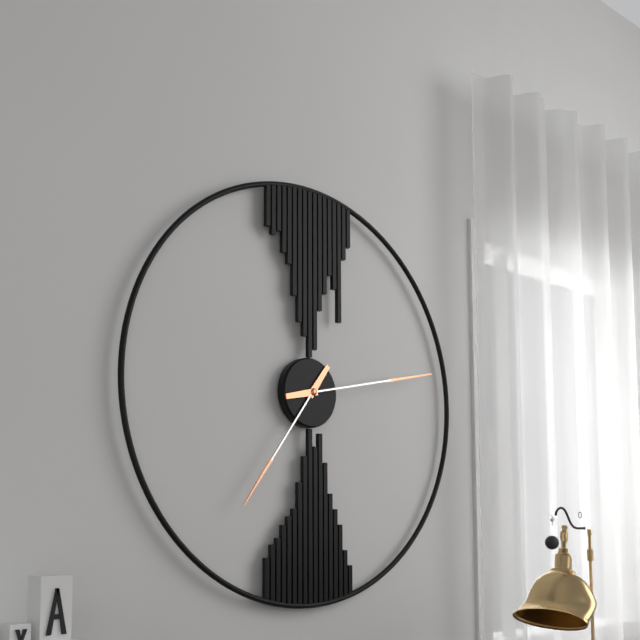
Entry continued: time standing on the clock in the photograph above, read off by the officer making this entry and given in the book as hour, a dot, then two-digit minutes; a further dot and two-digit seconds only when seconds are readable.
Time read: 7.13
